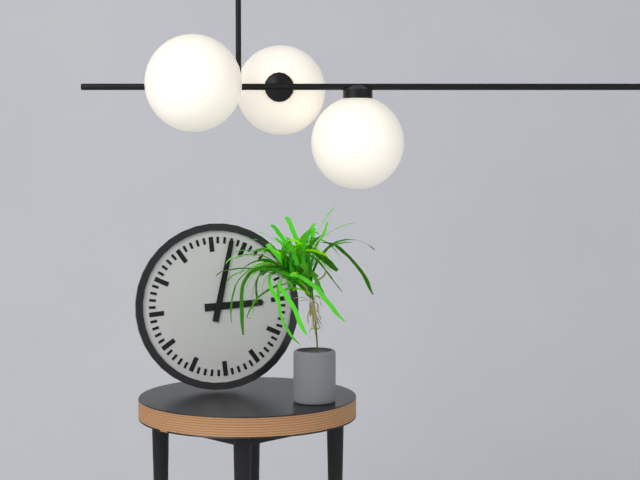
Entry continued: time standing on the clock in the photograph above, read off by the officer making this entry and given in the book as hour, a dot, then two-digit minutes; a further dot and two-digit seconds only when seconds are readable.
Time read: 3.03
